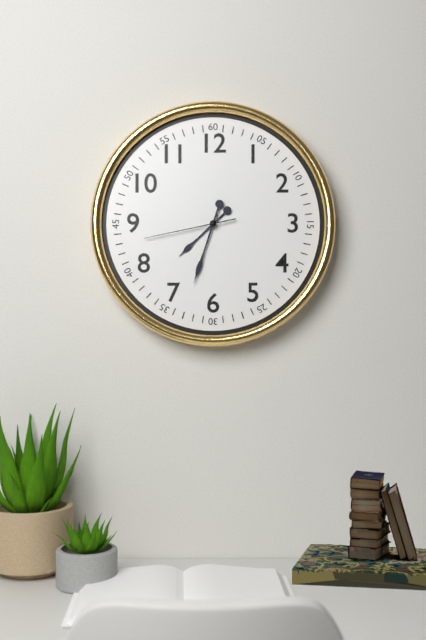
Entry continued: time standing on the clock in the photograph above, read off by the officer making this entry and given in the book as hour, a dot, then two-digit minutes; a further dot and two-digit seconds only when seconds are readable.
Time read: 7.33.43
